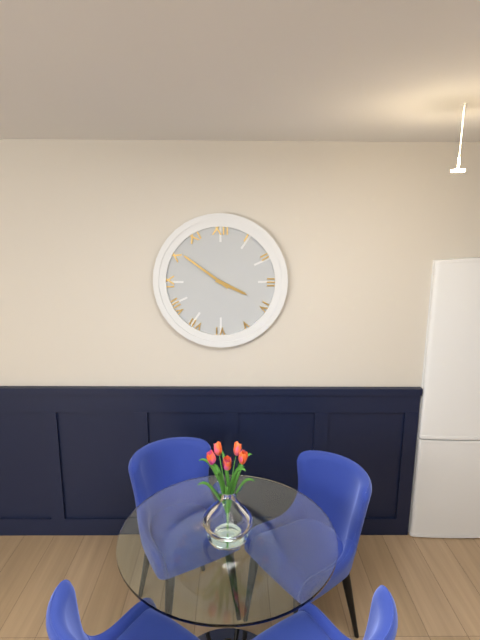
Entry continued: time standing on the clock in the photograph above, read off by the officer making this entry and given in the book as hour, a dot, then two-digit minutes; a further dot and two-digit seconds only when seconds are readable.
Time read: 3.51
